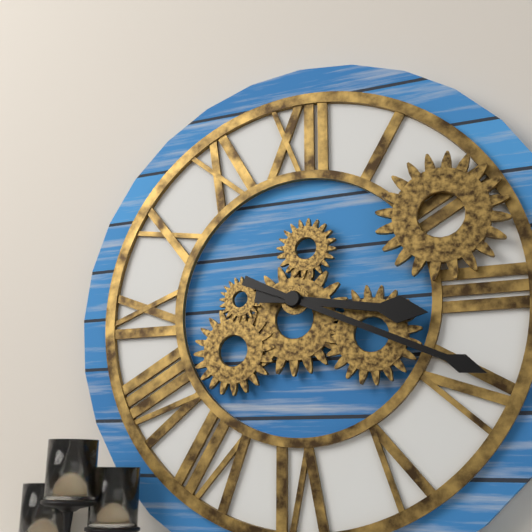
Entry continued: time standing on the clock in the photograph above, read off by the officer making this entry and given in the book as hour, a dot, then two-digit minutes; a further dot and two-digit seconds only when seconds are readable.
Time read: 3.19
